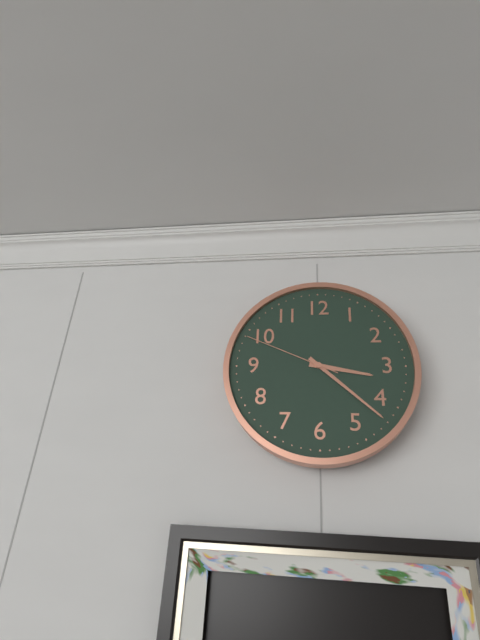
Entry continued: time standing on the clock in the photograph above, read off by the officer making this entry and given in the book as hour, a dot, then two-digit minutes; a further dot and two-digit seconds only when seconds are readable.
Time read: 3.22.49
